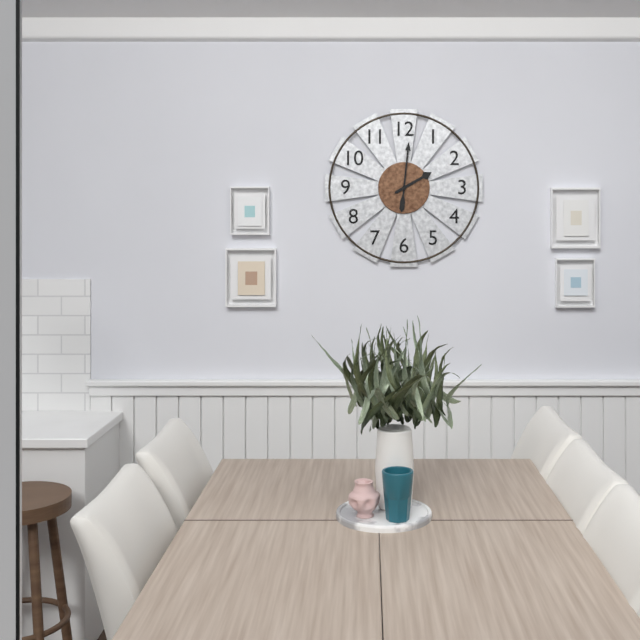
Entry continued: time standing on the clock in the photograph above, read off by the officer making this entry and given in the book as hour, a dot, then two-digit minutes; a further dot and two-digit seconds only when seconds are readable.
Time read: 2.01
